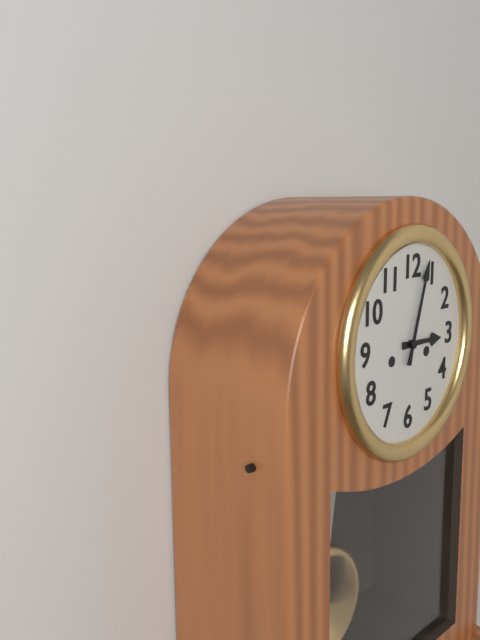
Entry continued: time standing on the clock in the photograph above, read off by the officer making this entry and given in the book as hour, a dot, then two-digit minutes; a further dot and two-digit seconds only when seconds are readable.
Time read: 3.03
